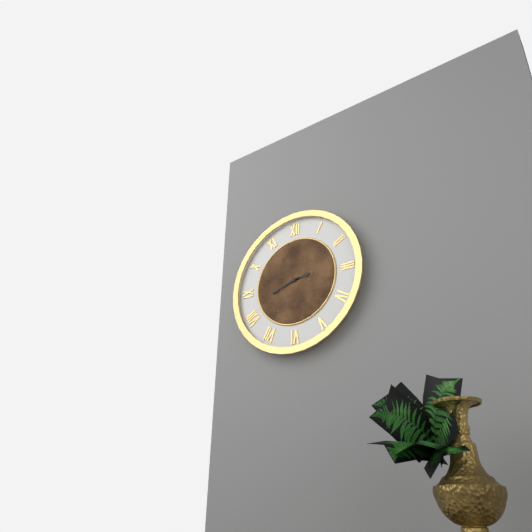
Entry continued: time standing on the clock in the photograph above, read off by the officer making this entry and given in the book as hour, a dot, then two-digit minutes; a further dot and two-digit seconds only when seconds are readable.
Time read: 2.42
